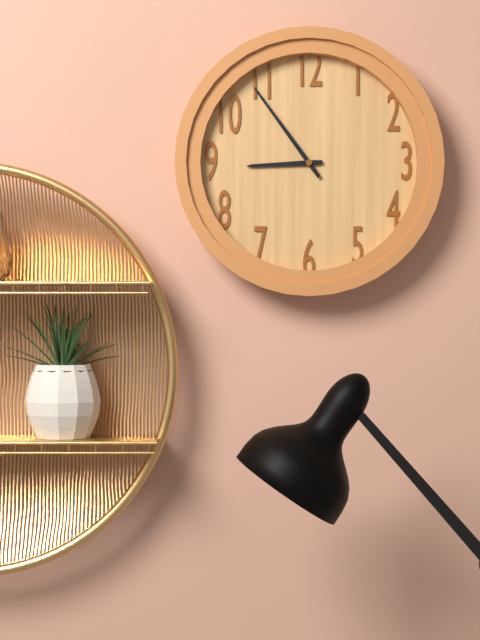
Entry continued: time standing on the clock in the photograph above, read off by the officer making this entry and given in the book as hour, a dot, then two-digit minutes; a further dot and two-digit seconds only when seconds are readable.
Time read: 8.54
